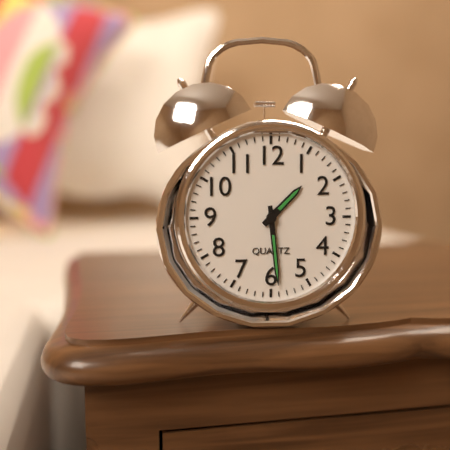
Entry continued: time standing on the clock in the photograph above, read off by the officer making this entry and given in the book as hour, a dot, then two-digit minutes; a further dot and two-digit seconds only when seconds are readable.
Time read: 1.29
